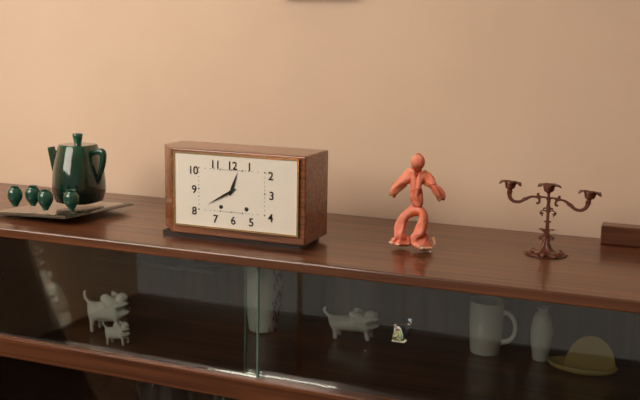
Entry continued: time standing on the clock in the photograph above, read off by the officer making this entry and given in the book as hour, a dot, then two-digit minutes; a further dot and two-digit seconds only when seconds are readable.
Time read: 12.40
